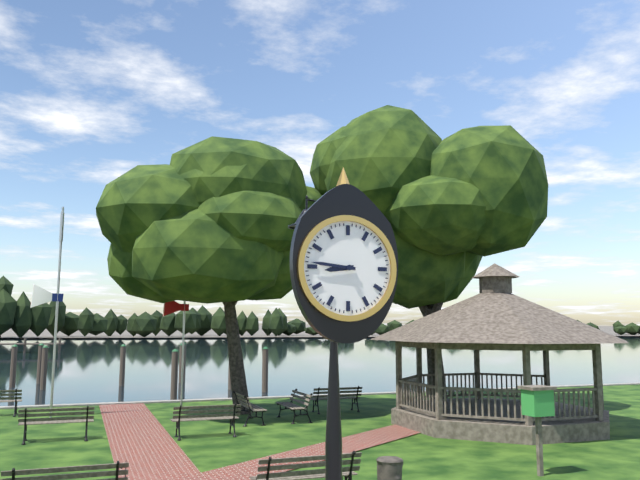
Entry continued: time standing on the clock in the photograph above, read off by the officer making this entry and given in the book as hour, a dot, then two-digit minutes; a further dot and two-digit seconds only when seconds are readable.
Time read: 8.46
